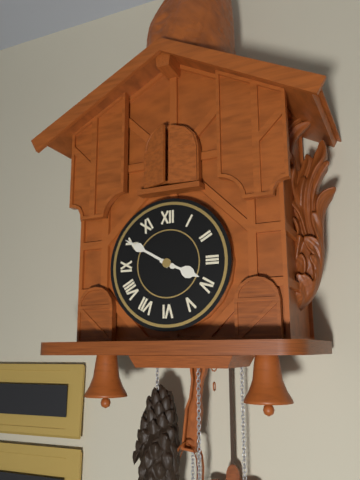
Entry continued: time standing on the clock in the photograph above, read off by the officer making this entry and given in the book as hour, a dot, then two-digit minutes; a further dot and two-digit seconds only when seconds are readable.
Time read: 3.50
